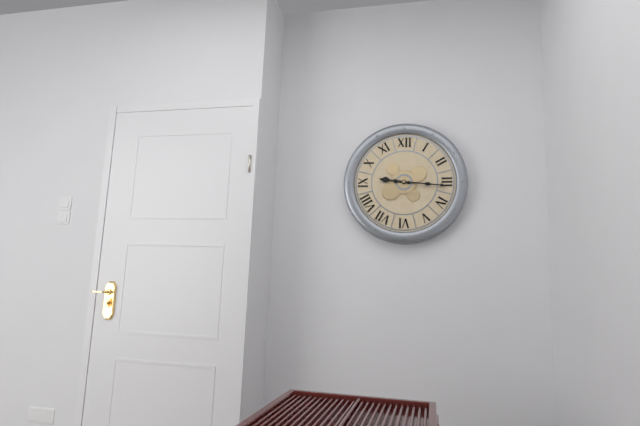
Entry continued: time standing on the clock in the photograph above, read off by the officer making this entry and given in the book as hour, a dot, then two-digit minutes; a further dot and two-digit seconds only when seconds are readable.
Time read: 9.16
